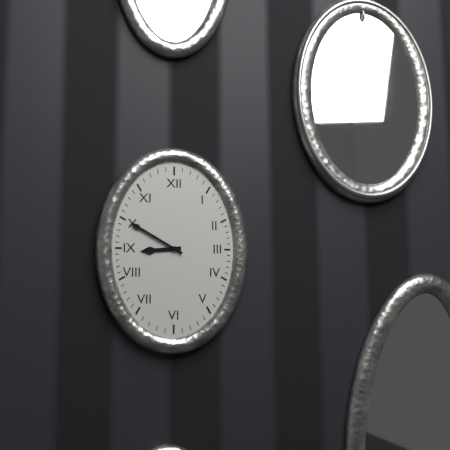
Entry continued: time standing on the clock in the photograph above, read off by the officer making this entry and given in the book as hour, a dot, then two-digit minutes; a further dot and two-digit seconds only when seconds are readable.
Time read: 8.50
